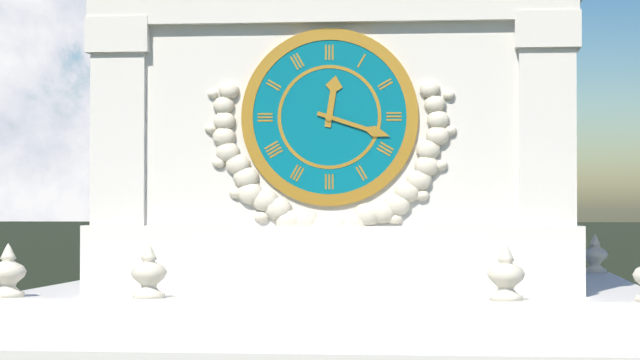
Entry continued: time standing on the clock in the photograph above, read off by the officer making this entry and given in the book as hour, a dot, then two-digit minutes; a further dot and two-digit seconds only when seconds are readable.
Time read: 12.18
